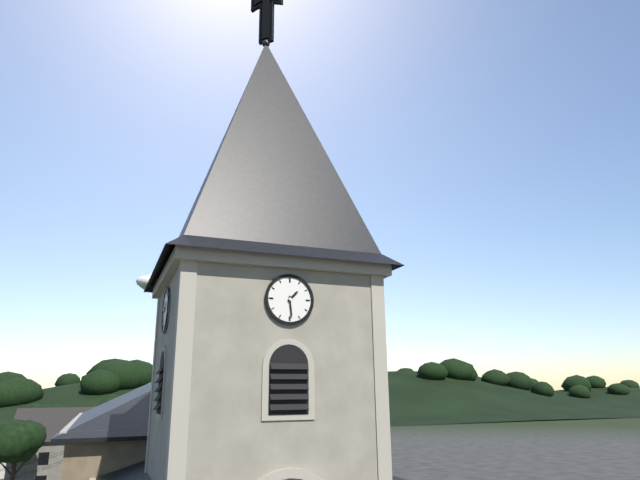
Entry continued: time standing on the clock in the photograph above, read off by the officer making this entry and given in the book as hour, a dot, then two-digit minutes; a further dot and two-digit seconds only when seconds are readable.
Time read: 1.29
